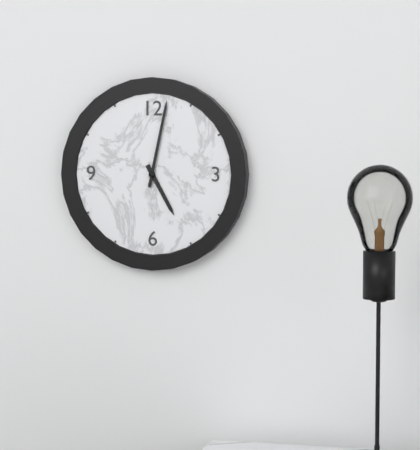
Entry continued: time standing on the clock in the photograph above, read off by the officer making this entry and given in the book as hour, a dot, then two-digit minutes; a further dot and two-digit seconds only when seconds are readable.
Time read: 5.02
